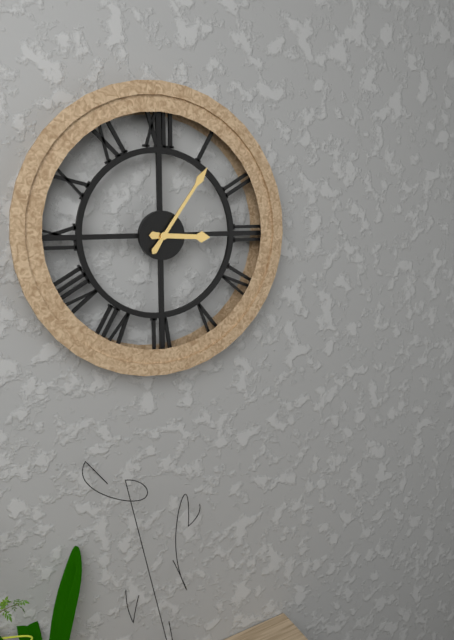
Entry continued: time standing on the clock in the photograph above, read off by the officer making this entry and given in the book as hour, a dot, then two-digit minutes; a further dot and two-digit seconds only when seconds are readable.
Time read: 3.06
